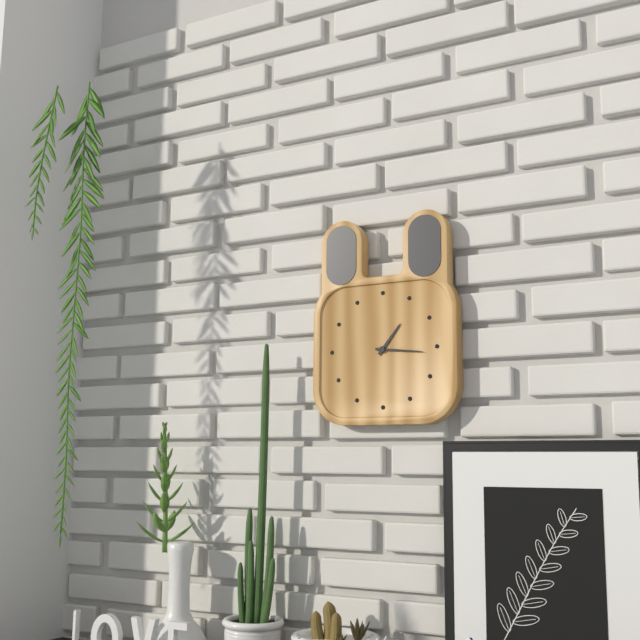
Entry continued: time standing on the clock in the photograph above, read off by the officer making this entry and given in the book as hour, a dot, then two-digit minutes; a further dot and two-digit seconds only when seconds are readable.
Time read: 1.16
